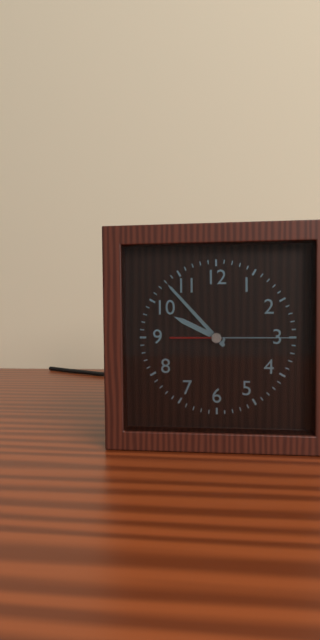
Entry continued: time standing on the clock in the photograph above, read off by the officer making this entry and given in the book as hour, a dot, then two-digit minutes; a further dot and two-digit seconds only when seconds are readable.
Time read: 9.53.15
